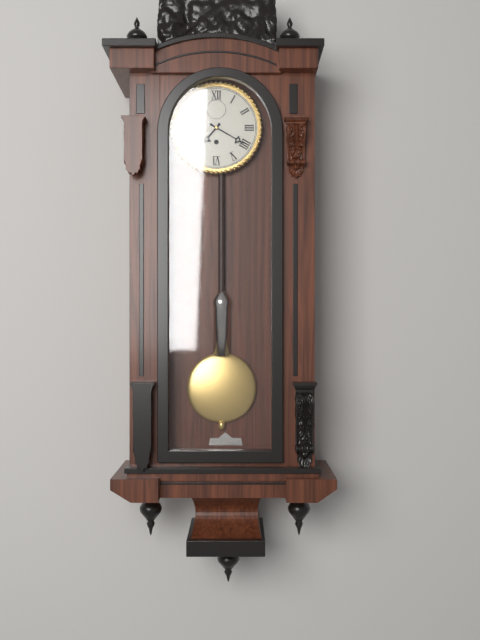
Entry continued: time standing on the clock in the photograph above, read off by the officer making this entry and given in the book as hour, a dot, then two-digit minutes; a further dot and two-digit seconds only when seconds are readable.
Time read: 7.20
